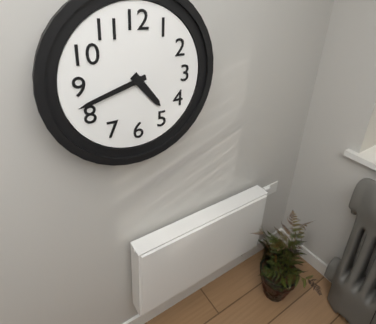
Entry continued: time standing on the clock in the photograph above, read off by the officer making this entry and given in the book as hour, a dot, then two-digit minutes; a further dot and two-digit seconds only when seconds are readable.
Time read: 4.42
